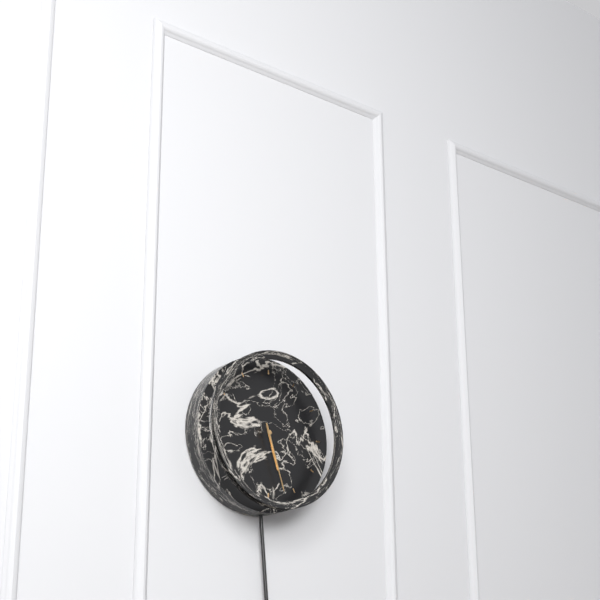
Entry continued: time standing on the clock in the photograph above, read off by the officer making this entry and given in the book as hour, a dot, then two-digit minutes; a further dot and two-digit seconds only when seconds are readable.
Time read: 5.27
